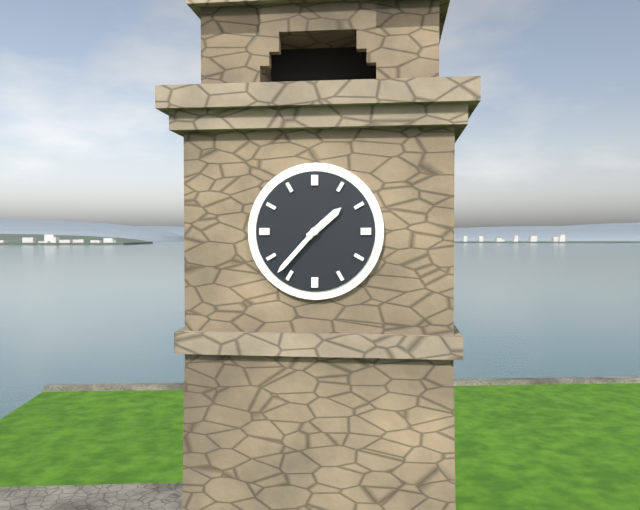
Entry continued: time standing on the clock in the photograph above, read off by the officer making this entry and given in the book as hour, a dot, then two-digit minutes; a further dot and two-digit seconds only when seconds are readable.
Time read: 1.37
